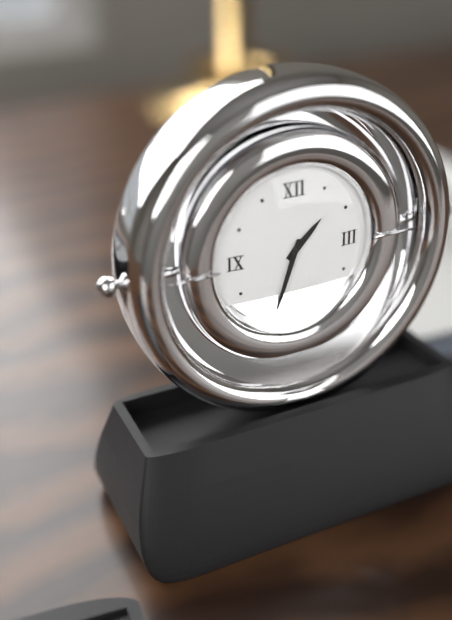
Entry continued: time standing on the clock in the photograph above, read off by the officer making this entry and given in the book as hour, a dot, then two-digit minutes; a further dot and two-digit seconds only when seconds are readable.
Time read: 1.33
